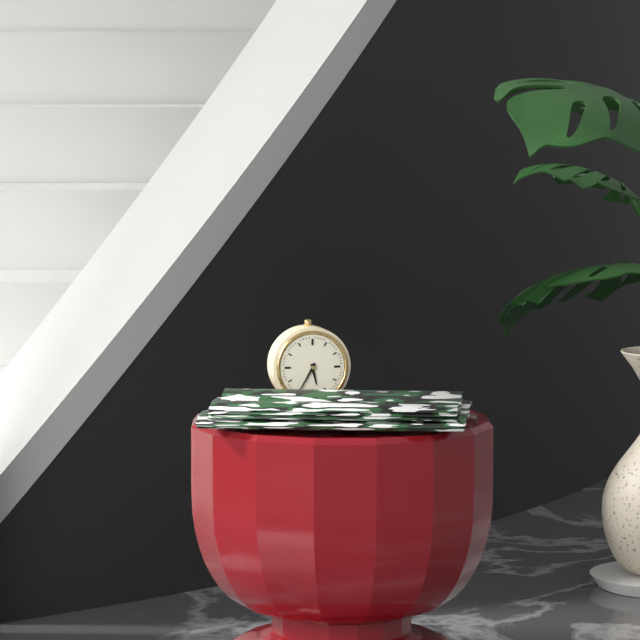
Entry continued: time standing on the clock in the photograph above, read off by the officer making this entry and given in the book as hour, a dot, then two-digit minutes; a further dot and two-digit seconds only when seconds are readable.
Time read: 5.35
